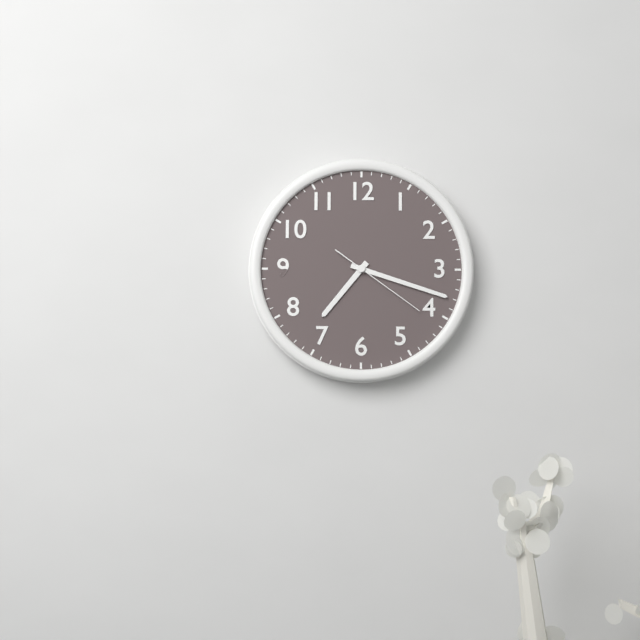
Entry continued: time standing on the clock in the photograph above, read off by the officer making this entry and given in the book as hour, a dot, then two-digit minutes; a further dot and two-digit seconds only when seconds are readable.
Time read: 7.18.21
